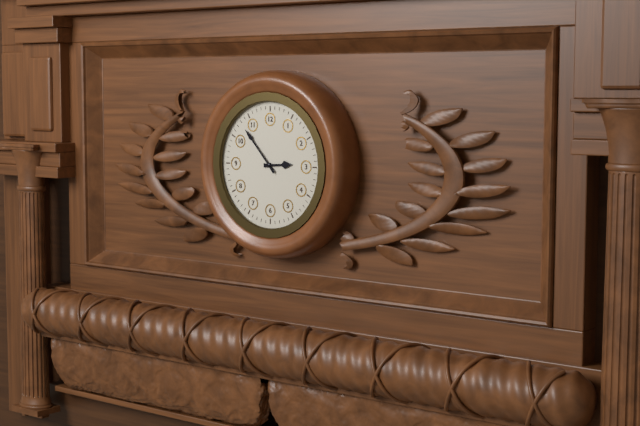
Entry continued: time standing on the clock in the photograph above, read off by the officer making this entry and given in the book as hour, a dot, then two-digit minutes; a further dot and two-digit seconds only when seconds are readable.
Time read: 2.53
